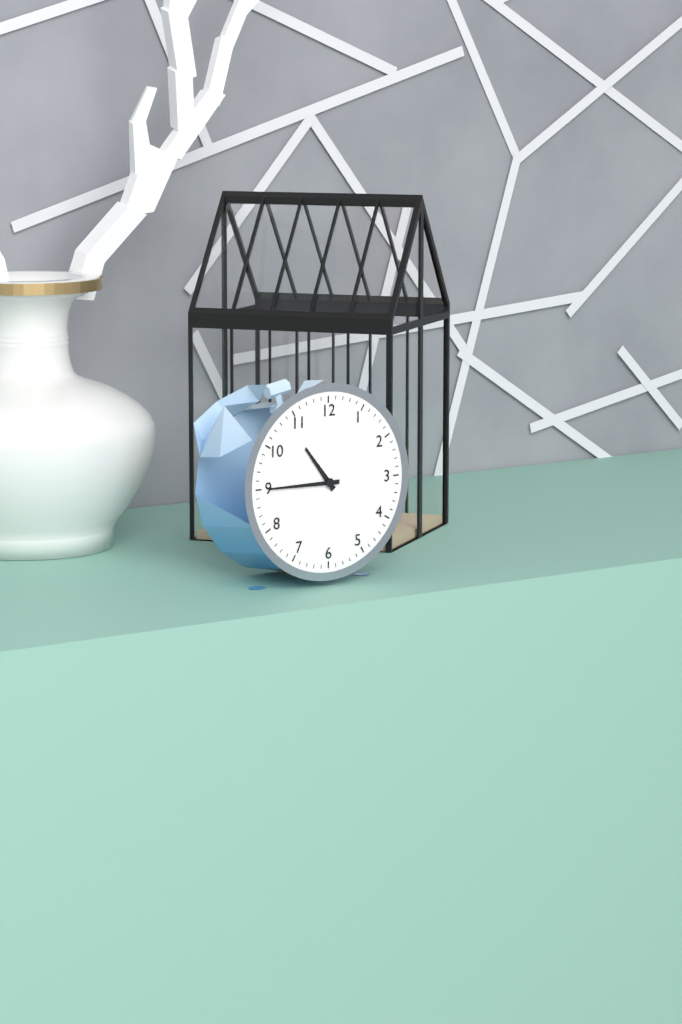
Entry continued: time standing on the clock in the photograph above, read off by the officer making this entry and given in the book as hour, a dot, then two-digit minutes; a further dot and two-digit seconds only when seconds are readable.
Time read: 10.45
